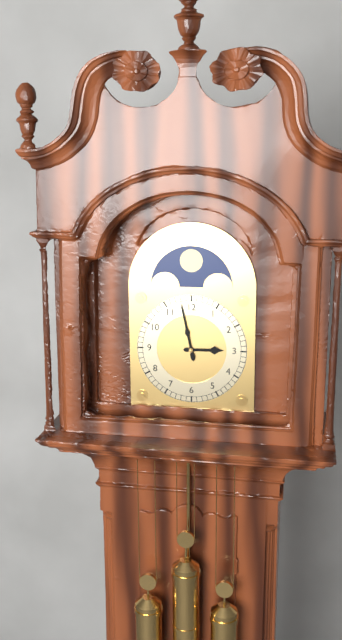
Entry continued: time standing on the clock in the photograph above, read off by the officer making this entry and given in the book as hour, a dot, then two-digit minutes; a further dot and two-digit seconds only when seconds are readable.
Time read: 2.58
